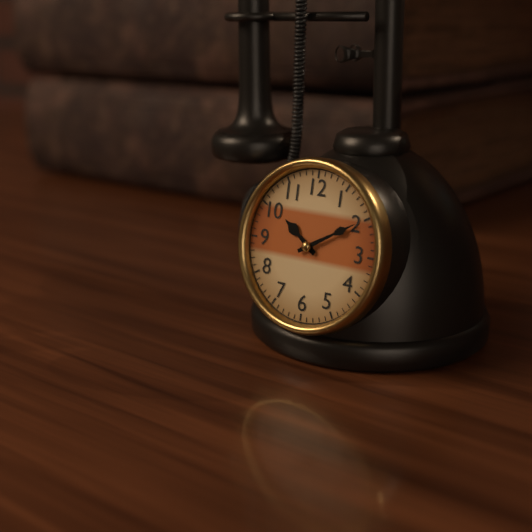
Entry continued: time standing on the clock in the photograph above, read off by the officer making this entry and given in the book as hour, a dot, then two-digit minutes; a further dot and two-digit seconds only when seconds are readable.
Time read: 10.10
